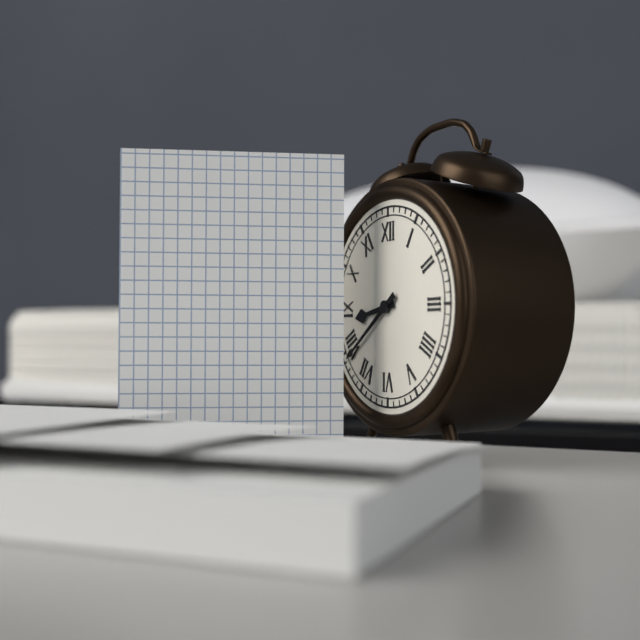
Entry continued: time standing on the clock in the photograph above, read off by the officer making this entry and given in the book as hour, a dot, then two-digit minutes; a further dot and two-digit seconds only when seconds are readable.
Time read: 8.39
